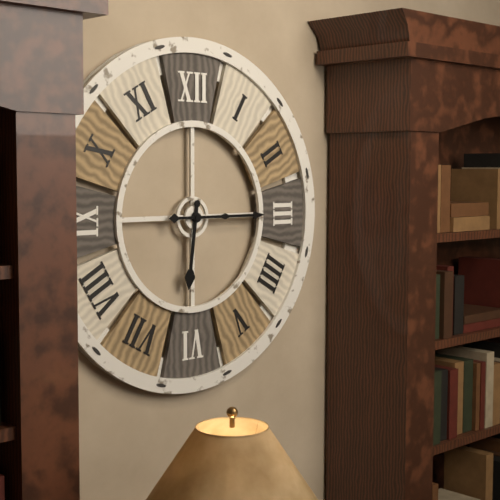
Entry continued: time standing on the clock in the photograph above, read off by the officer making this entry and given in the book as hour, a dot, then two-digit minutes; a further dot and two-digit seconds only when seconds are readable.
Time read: 6.15
